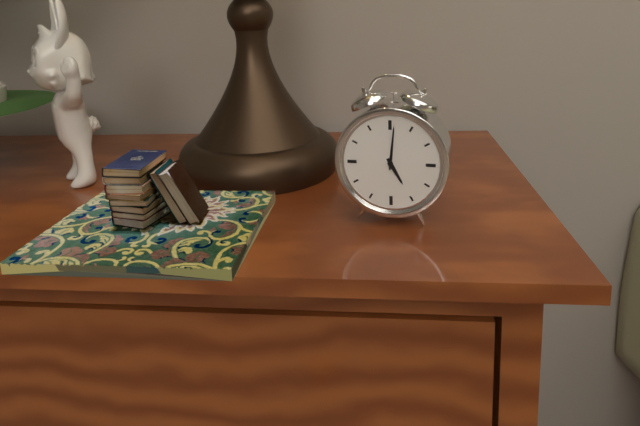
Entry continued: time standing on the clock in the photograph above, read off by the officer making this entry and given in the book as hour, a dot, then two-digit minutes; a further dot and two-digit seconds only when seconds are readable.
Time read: 5.01
